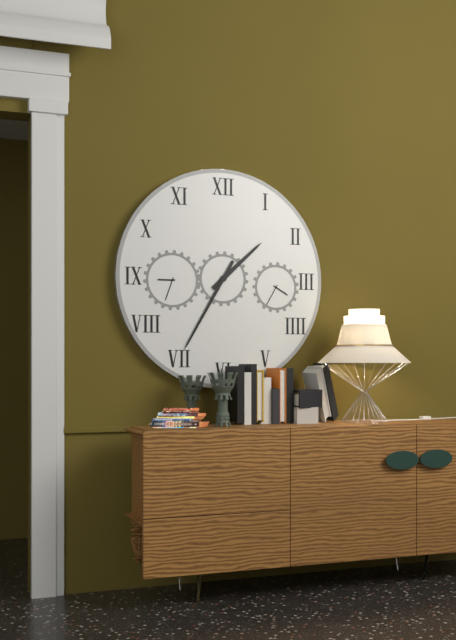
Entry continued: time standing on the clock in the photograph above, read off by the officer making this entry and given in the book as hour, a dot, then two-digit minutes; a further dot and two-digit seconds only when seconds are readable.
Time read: 1.35
